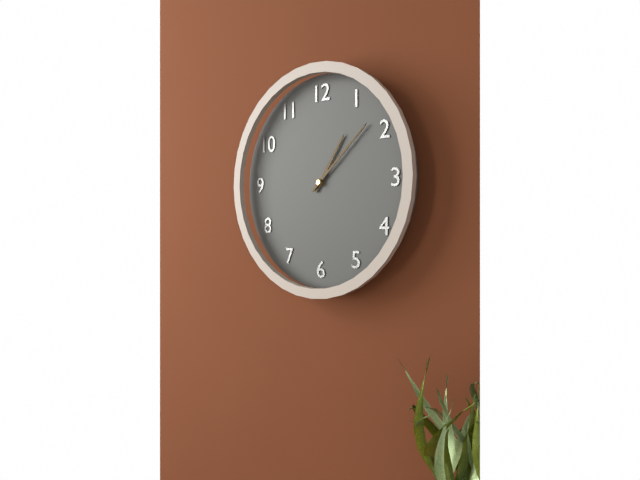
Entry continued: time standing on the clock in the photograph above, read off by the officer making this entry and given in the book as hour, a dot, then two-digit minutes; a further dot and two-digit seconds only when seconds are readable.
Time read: 1.08
